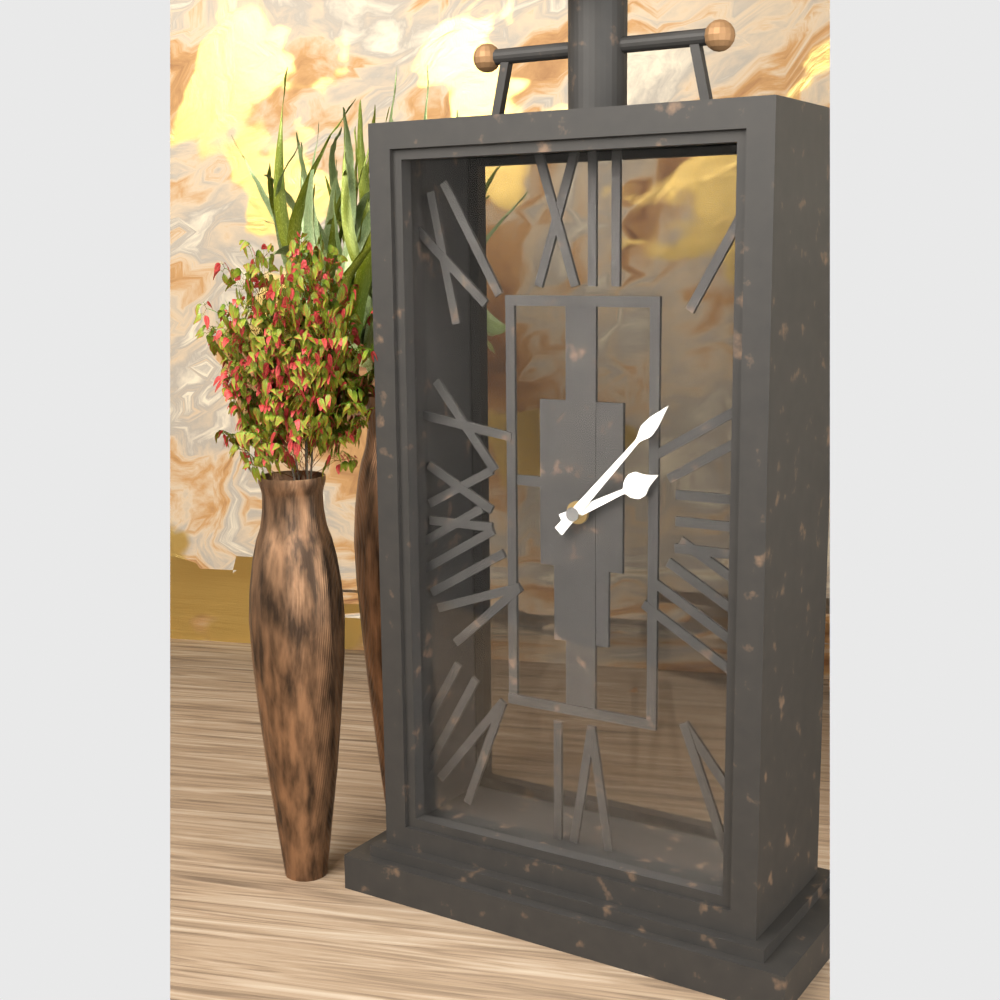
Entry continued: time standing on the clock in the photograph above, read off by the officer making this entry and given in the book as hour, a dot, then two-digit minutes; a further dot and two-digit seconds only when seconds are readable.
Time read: 2.07
